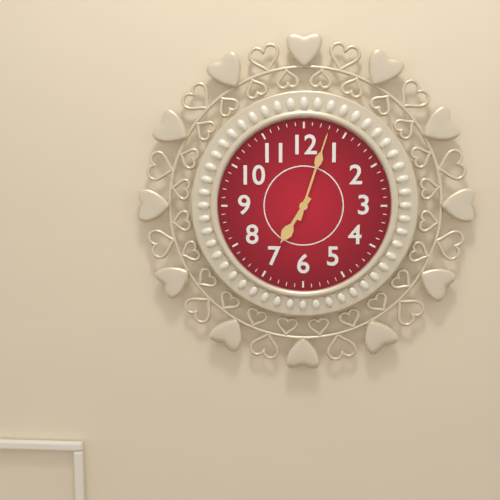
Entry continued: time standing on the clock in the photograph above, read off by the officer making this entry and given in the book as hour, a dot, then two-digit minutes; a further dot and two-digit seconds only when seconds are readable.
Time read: 7.03
